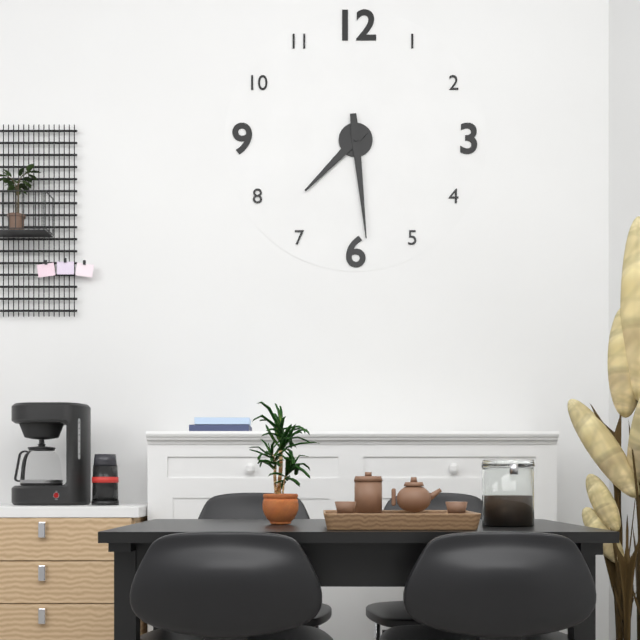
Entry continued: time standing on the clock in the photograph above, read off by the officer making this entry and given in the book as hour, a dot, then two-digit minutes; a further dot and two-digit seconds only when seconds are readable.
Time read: 7.29
